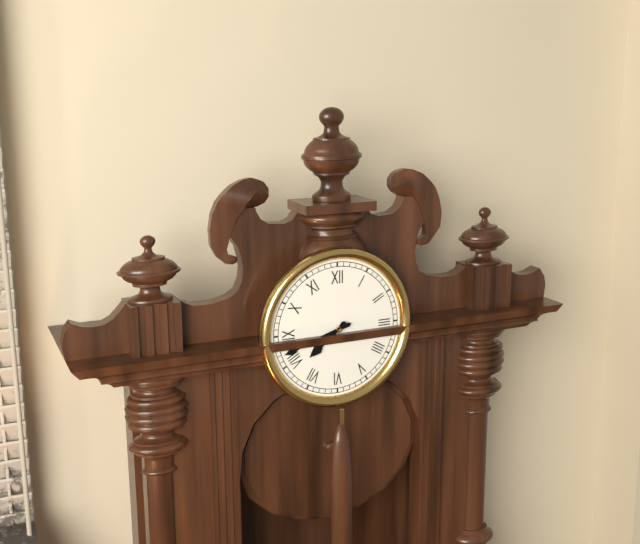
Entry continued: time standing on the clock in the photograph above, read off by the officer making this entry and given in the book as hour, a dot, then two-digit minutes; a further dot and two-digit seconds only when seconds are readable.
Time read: 7.42
